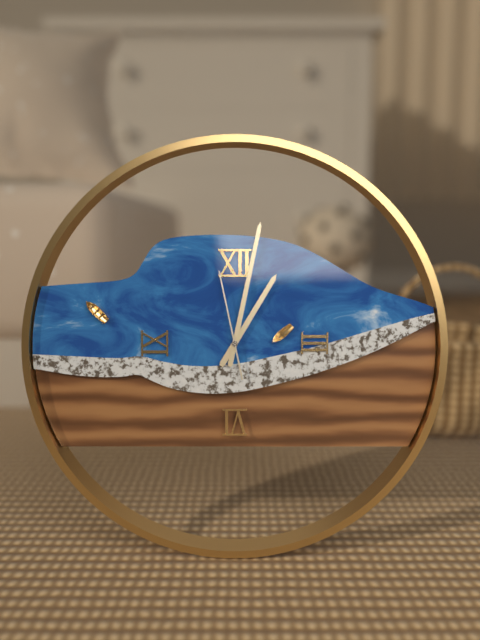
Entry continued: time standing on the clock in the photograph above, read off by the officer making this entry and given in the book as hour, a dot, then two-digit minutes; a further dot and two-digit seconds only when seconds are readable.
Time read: 1.02.58
